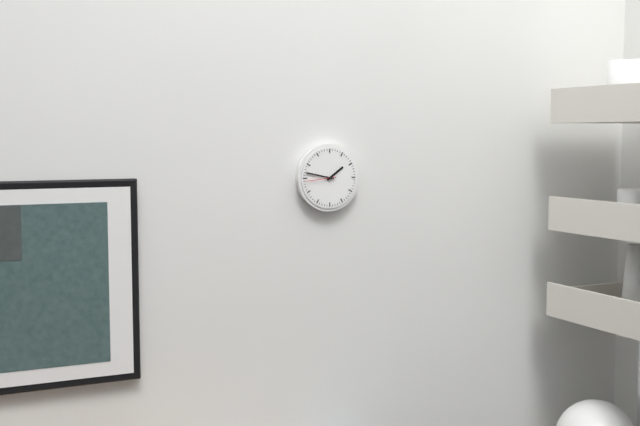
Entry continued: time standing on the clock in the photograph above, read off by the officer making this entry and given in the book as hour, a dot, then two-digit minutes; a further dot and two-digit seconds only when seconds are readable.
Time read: 1.47
